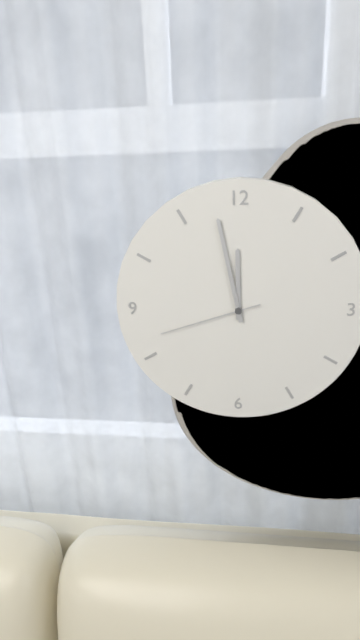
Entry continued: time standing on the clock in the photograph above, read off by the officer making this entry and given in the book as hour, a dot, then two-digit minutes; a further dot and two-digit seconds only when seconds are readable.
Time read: 11.58.42
